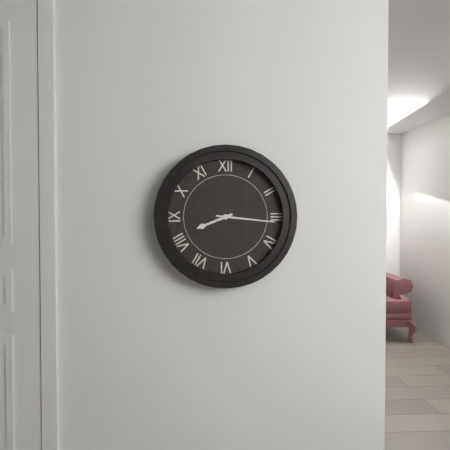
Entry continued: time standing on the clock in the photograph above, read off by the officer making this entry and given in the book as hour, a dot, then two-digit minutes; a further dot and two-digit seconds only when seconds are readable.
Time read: 8.16
